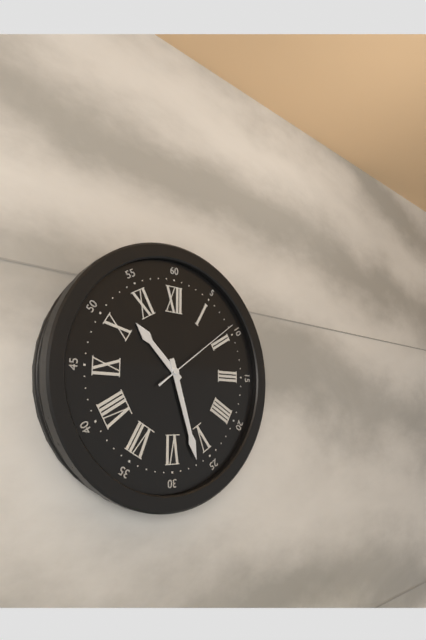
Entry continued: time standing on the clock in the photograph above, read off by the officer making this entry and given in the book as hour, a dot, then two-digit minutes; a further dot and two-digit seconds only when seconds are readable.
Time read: 10.27.09
